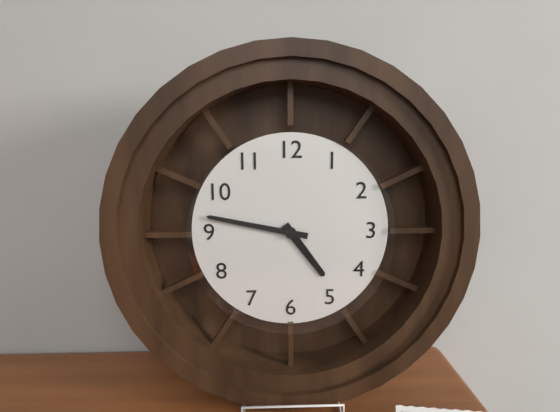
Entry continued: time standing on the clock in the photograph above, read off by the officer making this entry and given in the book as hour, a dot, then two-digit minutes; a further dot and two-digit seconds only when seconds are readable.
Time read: 4.47
